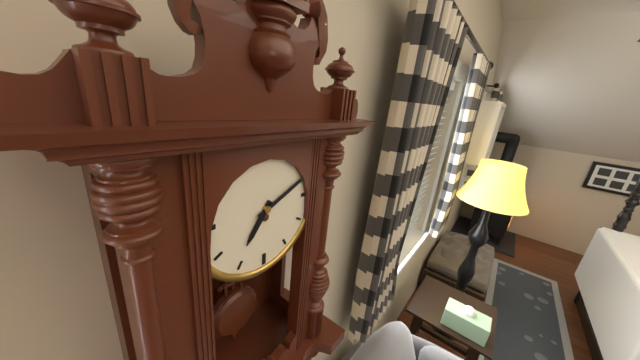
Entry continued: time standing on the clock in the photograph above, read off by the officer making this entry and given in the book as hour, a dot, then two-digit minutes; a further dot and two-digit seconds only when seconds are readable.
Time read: 7.11
